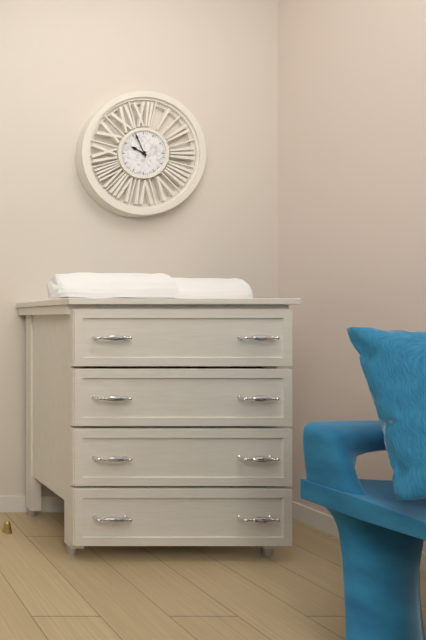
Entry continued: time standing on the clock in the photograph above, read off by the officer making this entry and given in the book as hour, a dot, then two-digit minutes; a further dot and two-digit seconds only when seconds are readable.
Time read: 9.56
